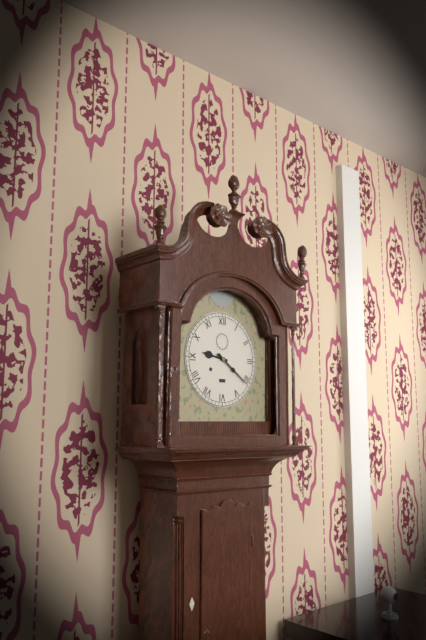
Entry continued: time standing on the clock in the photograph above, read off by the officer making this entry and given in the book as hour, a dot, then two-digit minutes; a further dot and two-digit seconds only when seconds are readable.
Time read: 9.21
